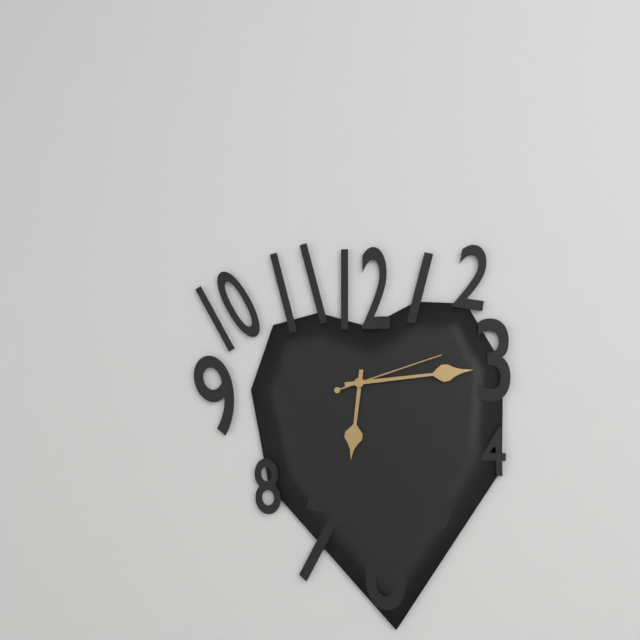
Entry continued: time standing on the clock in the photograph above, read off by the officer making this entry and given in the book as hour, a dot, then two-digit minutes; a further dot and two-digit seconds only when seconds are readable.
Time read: 6.14.12
